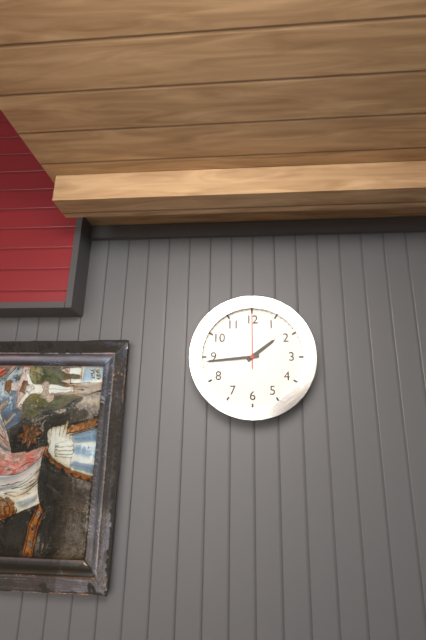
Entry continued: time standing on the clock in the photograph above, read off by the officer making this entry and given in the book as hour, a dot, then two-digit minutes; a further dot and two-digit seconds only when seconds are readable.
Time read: 1.44.00
